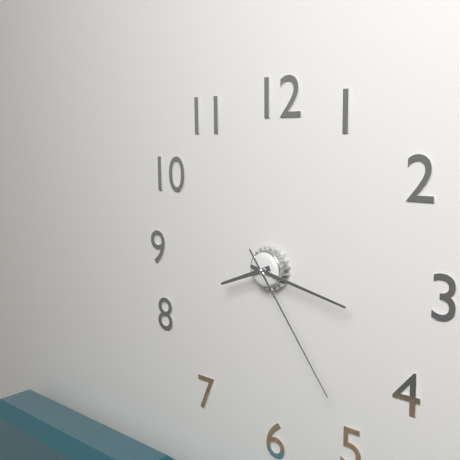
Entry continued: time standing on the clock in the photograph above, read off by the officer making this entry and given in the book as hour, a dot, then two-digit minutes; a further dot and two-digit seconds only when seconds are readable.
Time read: 8.17.24
